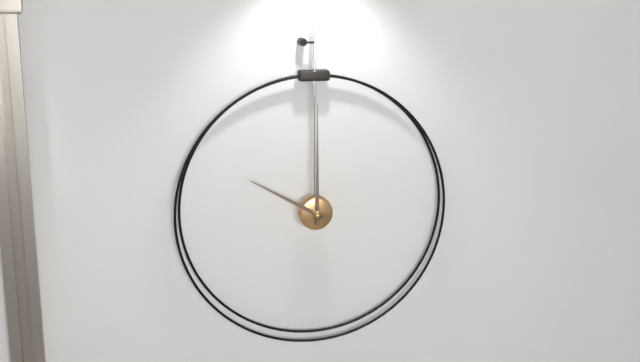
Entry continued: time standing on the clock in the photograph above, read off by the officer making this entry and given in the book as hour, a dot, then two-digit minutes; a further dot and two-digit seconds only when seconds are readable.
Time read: 10.00
